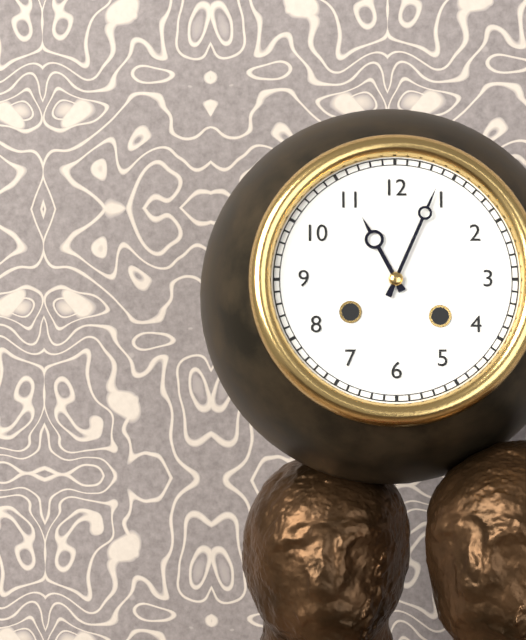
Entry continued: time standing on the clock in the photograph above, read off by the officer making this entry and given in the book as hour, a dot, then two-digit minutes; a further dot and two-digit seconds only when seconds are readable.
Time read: 11.04
